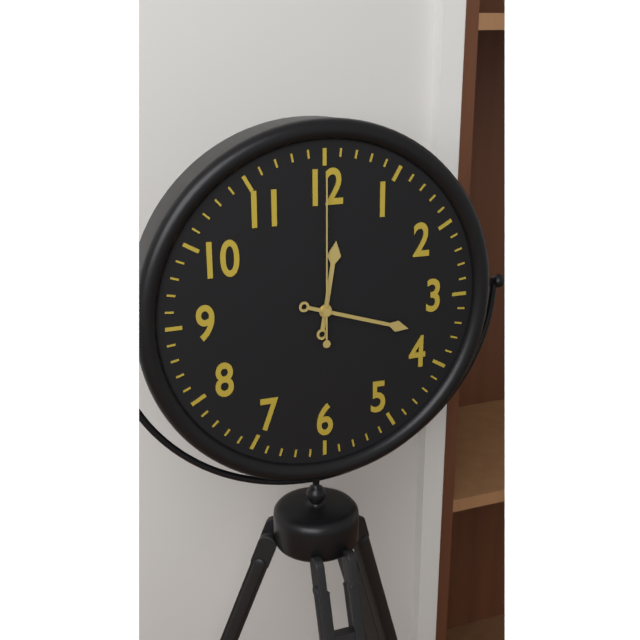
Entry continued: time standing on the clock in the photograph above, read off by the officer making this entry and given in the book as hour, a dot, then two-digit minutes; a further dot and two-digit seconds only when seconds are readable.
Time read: 12.18.00
